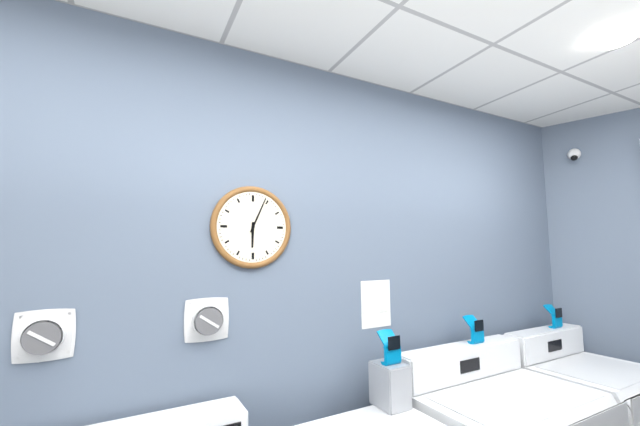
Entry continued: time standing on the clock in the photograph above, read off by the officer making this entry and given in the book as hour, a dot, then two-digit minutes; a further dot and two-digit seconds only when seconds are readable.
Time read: 6.04
